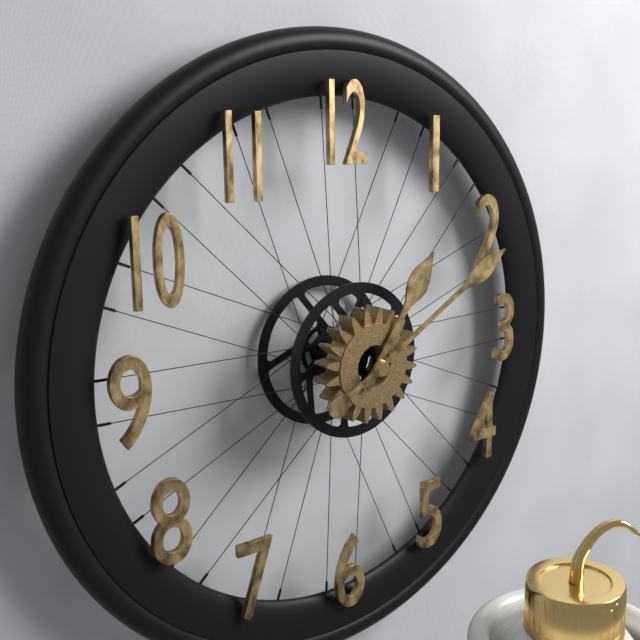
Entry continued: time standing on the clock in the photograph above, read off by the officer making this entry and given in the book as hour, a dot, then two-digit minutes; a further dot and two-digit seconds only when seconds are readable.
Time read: 1.10
